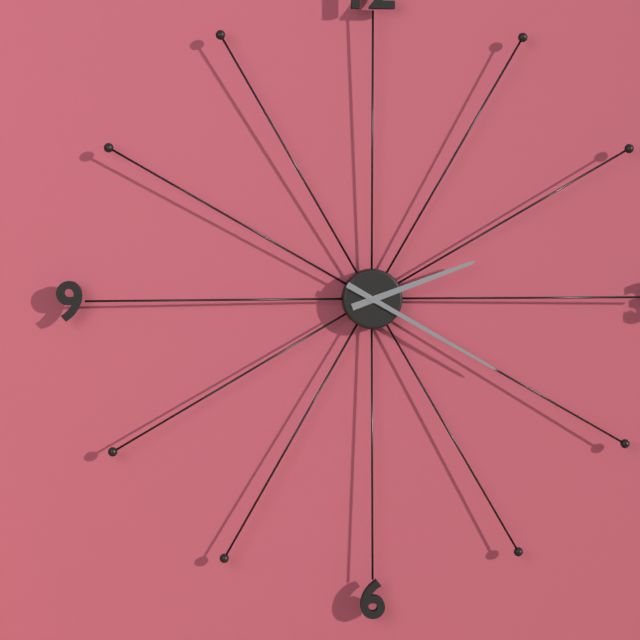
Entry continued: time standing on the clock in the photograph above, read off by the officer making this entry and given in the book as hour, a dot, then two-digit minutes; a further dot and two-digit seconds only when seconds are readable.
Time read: 2.20
